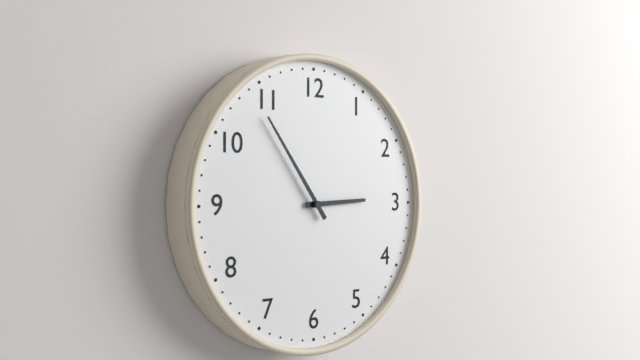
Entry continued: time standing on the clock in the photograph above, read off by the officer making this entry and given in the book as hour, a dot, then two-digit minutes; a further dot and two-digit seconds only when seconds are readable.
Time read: 2.54
